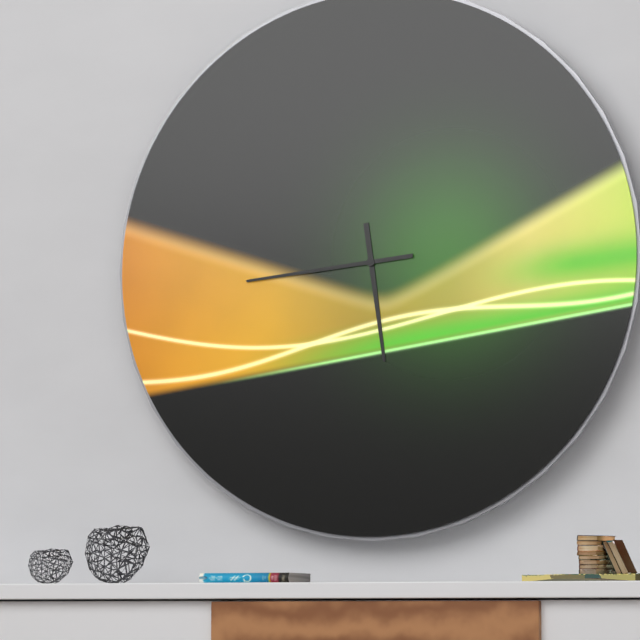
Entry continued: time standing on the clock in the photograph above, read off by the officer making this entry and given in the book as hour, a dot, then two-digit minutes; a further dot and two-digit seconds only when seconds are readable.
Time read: 5.44
